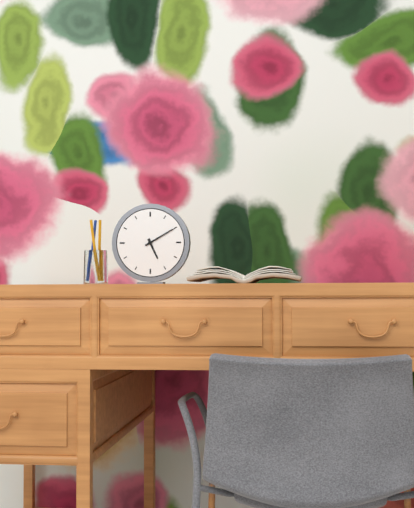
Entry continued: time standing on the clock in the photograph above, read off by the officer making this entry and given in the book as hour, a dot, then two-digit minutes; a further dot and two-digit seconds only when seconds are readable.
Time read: 5.10
